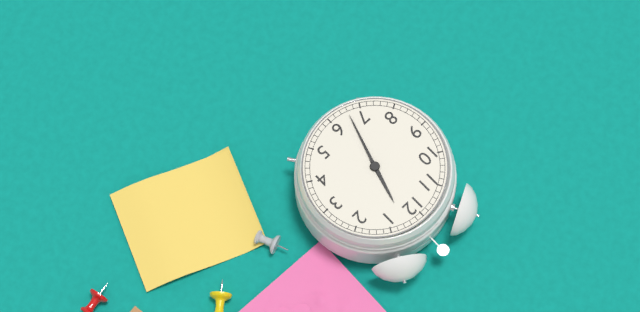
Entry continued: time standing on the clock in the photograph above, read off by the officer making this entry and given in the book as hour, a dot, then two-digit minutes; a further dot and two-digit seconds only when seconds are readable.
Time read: 12.33
